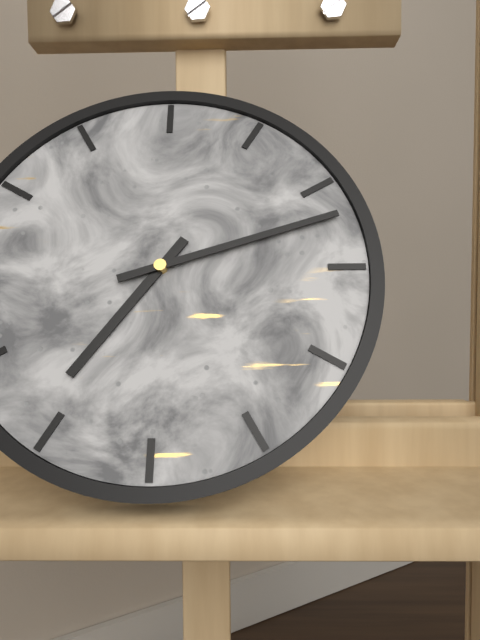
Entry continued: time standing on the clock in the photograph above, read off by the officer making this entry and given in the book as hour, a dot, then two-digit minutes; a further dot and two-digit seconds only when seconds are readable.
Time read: 7.12
